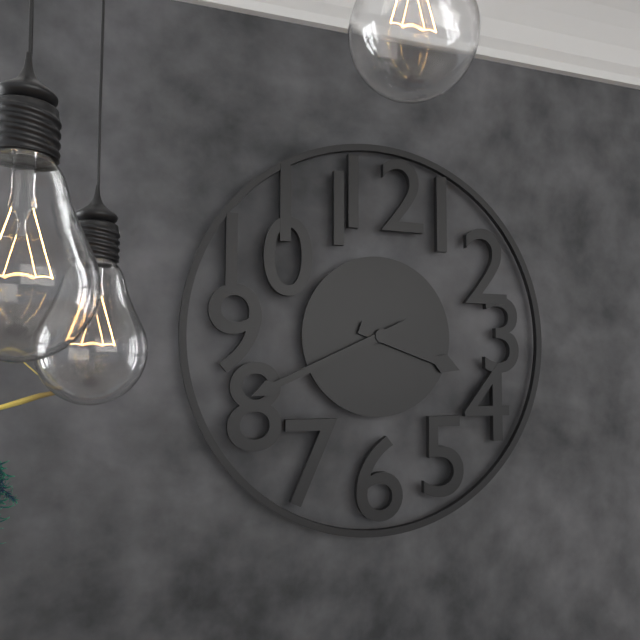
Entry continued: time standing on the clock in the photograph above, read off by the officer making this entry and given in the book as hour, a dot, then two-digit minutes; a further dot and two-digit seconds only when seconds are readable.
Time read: 3.41
